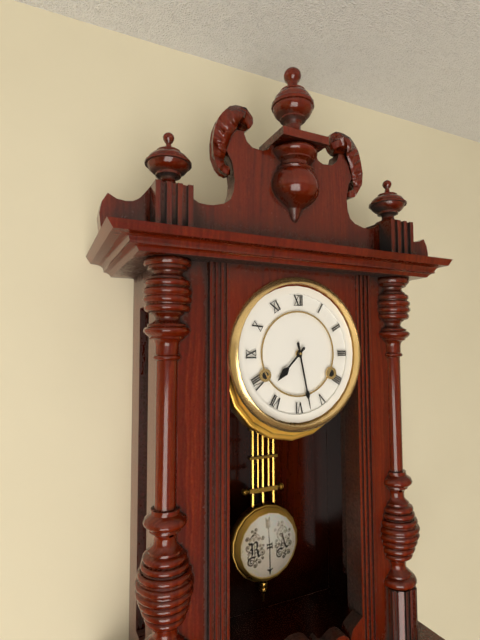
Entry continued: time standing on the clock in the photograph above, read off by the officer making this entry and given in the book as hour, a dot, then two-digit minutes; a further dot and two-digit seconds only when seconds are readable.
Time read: 7.28
